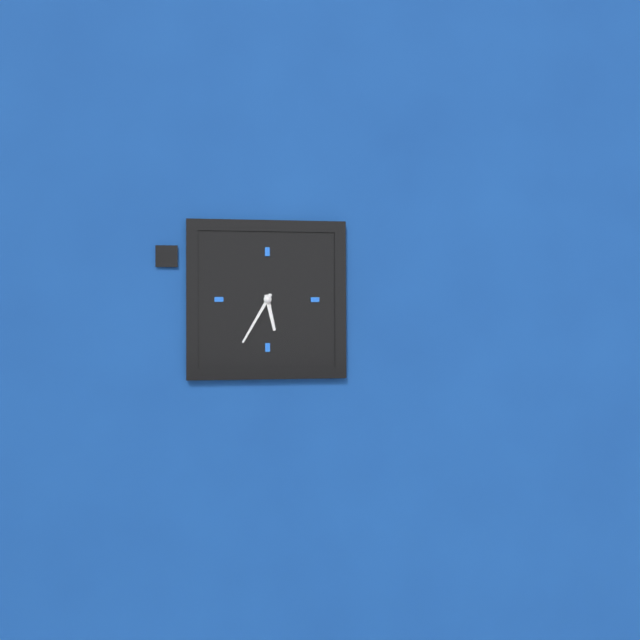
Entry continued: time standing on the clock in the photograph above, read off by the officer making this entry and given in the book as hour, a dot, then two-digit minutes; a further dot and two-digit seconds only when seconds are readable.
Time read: 5.35
